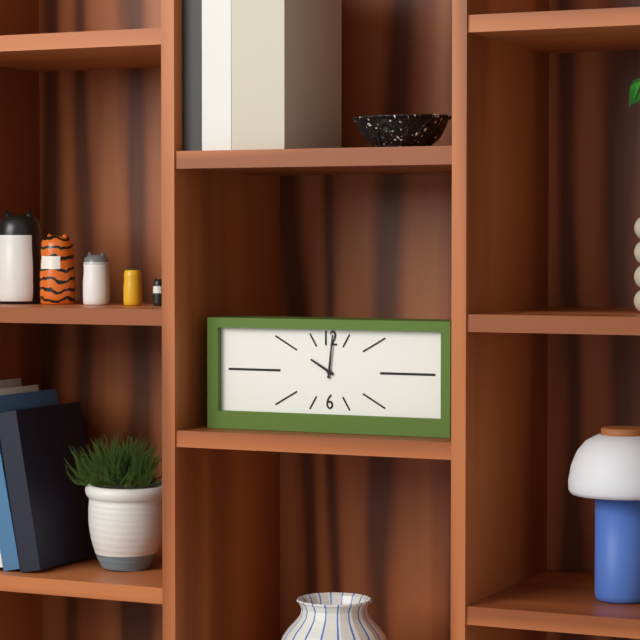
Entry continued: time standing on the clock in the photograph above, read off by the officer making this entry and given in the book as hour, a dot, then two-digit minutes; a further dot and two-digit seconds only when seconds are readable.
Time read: 10.01
